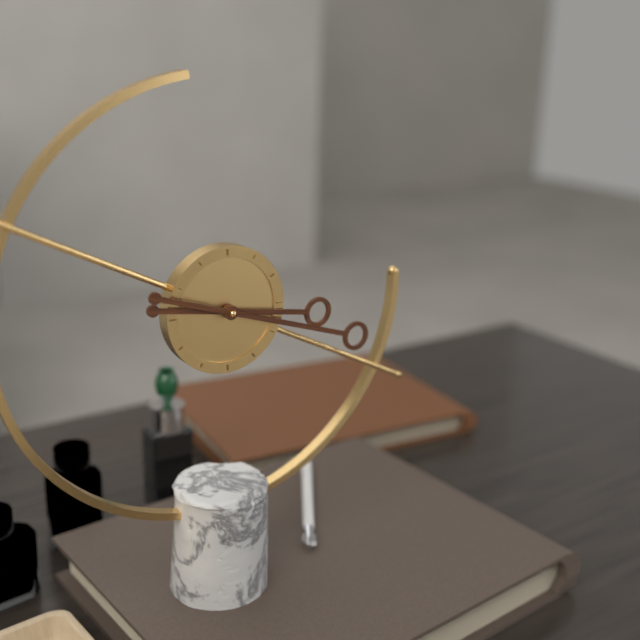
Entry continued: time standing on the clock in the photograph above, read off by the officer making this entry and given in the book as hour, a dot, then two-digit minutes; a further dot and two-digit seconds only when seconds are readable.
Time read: 3.18
